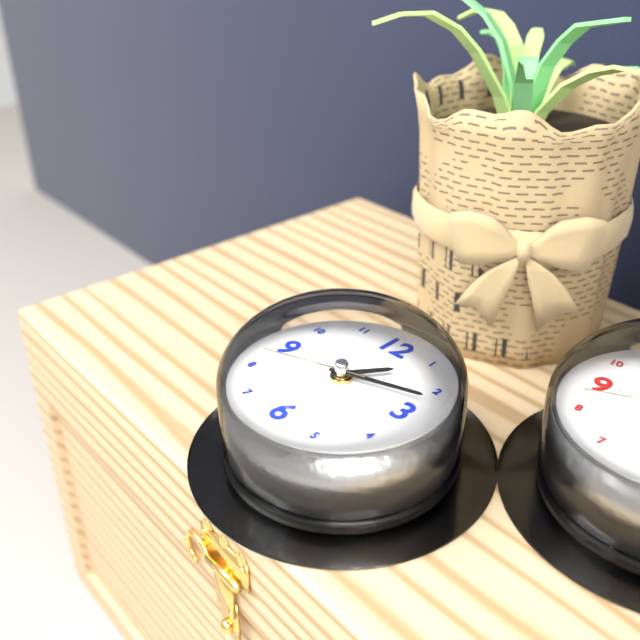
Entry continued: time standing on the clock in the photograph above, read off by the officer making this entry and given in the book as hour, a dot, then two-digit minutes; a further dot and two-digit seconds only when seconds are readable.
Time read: 1.12.42
